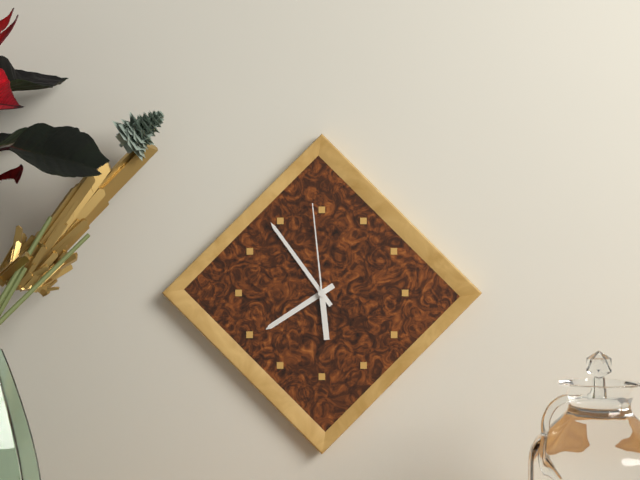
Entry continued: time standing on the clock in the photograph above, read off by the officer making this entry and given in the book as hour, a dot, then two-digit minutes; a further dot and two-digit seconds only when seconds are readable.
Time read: 7.54.59
